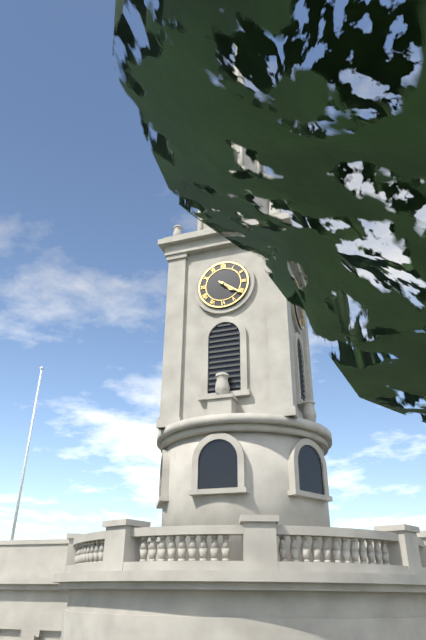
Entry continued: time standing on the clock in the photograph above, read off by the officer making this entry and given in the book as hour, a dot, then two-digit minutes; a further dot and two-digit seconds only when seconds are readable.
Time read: 4.21
